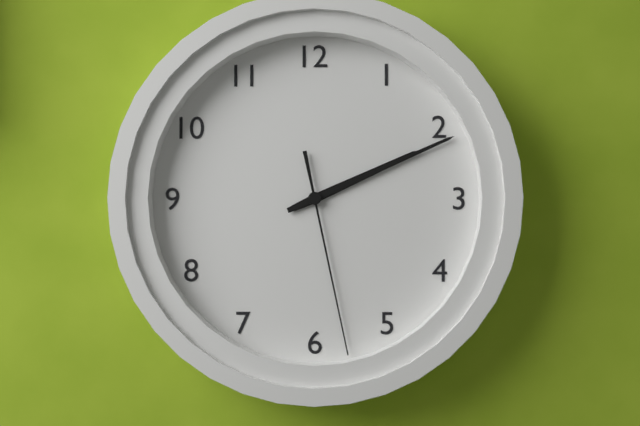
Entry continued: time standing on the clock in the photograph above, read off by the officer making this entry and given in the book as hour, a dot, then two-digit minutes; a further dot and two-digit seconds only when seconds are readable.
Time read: 2.11.28
